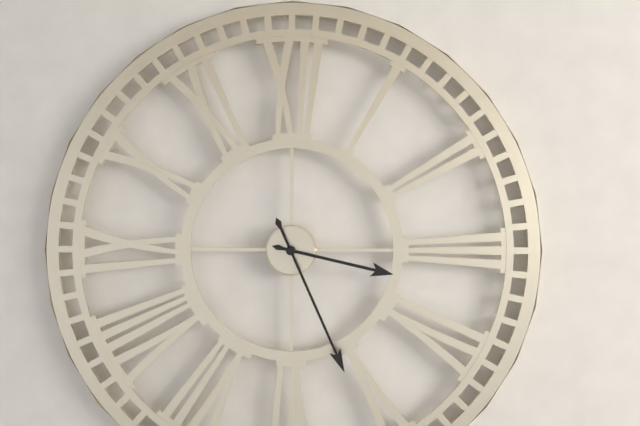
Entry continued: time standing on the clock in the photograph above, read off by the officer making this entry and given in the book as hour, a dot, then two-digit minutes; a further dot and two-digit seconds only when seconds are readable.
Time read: 3.26
